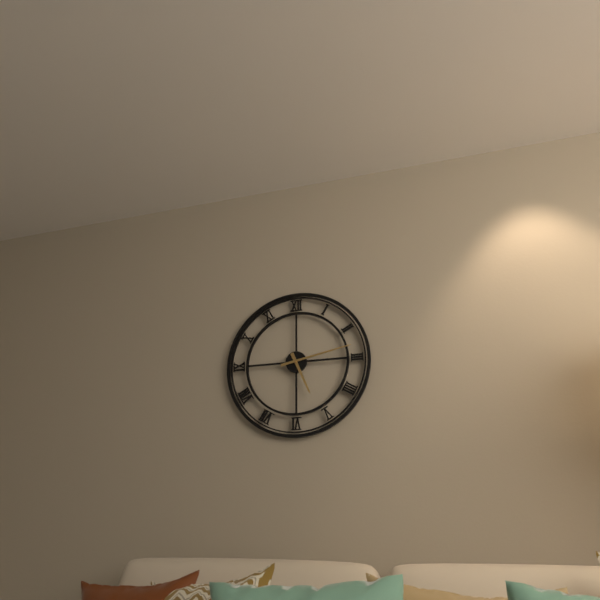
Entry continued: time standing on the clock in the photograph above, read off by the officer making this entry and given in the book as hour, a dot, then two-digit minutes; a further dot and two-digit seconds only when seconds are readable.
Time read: 5.13
